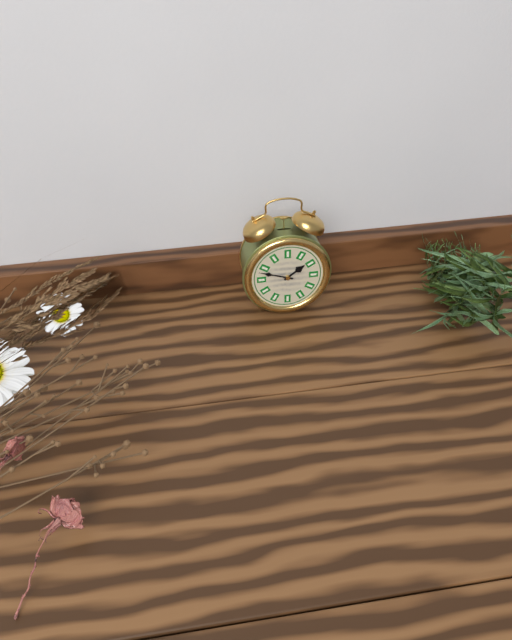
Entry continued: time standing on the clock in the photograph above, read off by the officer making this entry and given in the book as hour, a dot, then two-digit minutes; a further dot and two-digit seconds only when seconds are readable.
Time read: 1.48
